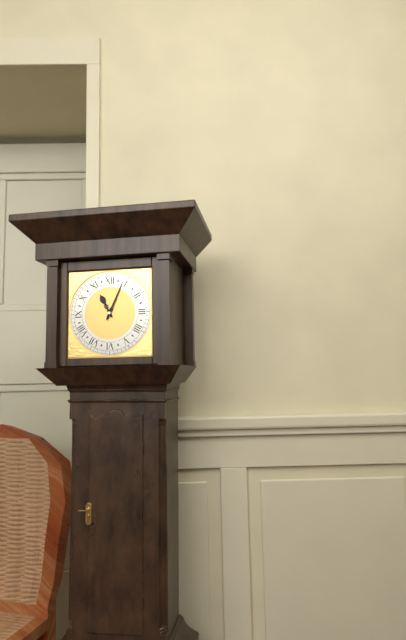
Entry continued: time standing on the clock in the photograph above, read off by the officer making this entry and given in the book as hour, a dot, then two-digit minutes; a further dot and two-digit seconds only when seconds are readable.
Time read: 11.04
